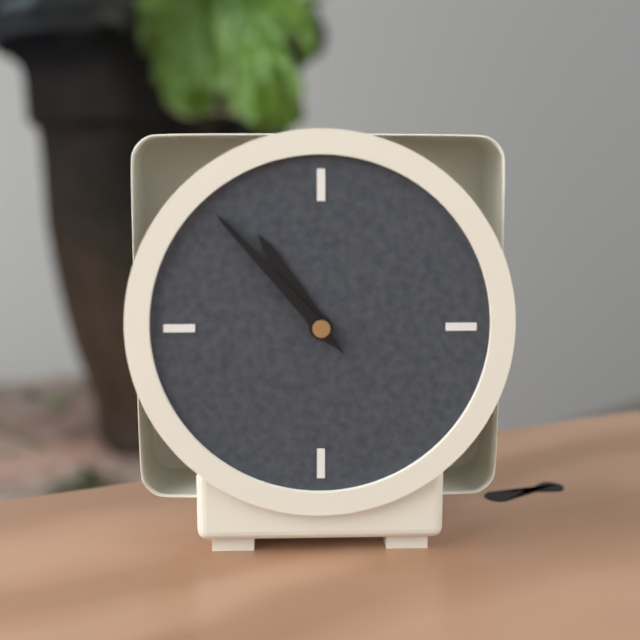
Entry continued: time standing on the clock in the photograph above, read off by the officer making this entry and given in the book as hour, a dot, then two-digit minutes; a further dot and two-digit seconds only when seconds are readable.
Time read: 10.53
